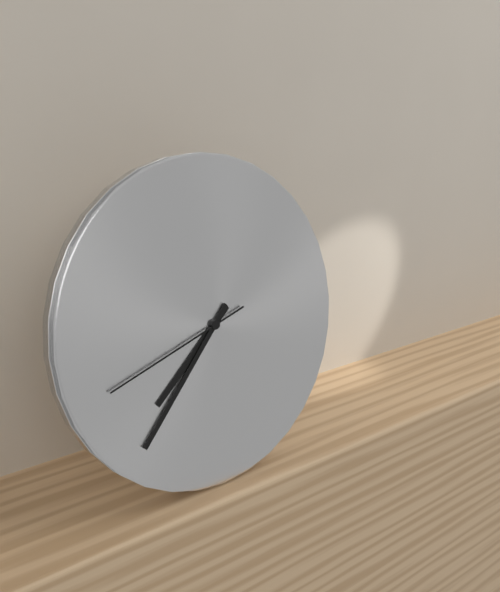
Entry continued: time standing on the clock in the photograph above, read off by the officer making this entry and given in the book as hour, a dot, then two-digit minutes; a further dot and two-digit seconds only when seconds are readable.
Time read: 7.37.42
